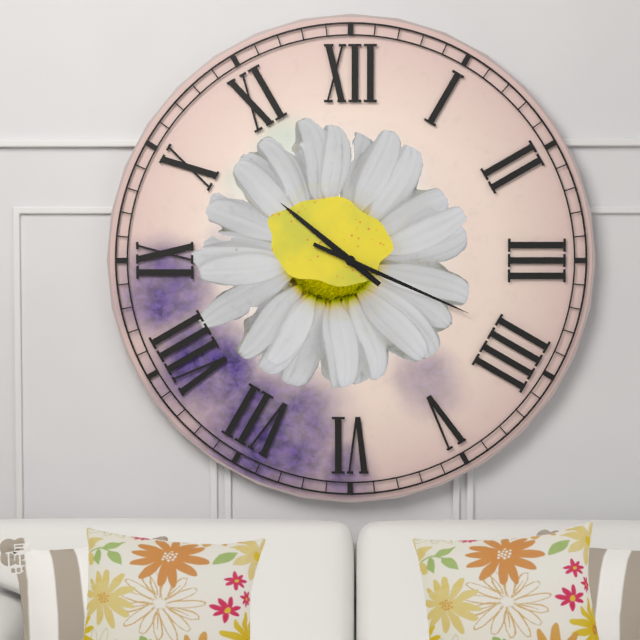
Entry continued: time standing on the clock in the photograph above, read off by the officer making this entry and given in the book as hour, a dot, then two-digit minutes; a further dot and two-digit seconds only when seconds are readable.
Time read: 10.19
